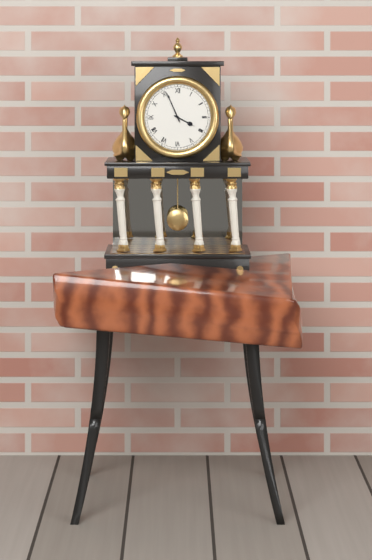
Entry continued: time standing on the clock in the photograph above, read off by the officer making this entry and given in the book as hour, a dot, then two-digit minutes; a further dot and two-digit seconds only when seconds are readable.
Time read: 3.56
